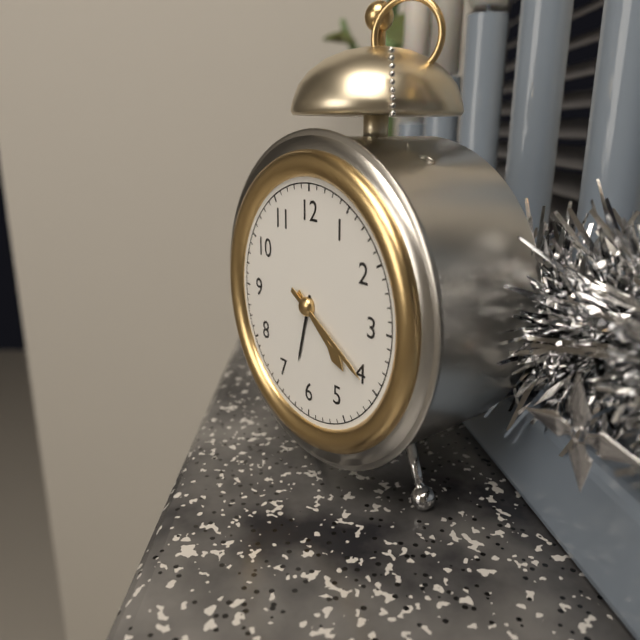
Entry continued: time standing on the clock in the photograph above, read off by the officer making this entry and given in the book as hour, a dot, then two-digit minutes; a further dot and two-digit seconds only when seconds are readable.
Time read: 4.20
